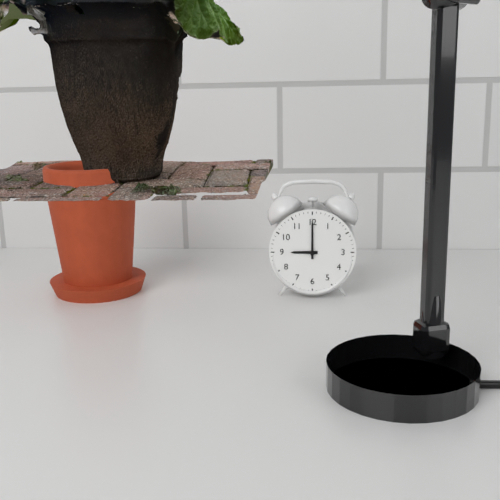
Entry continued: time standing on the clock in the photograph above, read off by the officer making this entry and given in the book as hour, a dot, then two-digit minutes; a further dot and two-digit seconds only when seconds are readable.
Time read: 9.00
